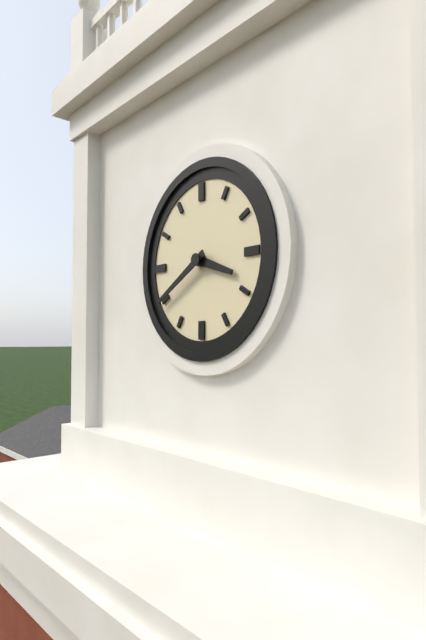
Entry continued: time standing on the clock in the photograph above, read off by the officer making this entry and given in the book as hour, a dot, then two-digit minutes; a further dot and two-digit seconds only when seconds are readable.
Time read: 3.40
